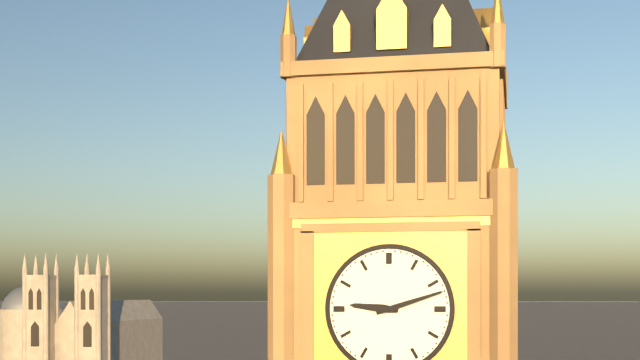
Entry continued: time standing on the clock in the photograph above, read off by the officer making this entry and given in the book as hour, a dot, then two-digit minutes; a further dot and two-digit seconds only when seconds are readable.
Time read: 9.12
